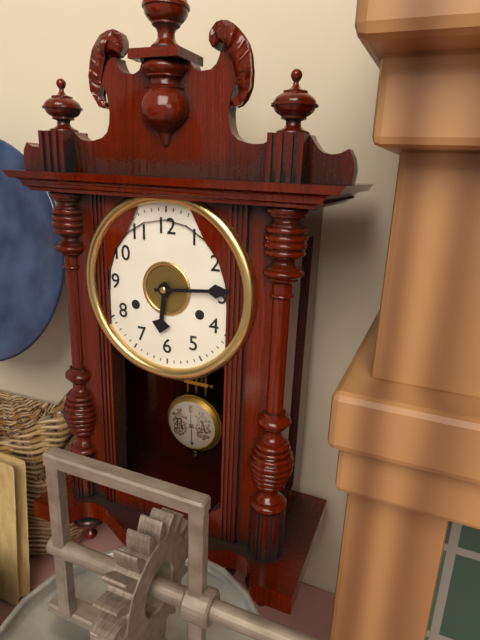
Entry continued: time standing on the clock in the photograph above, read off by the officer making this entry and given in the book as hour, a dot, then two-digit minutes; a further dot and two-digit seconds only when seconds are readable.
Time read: 6.14
